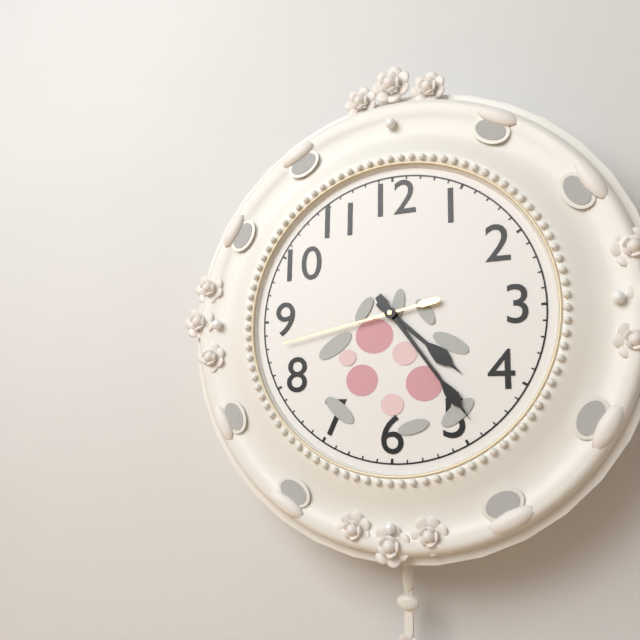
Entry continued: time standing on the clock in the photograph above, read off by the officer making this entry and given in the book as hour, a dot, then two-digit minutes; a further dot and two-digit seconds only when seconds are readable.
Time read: 4.24.43
